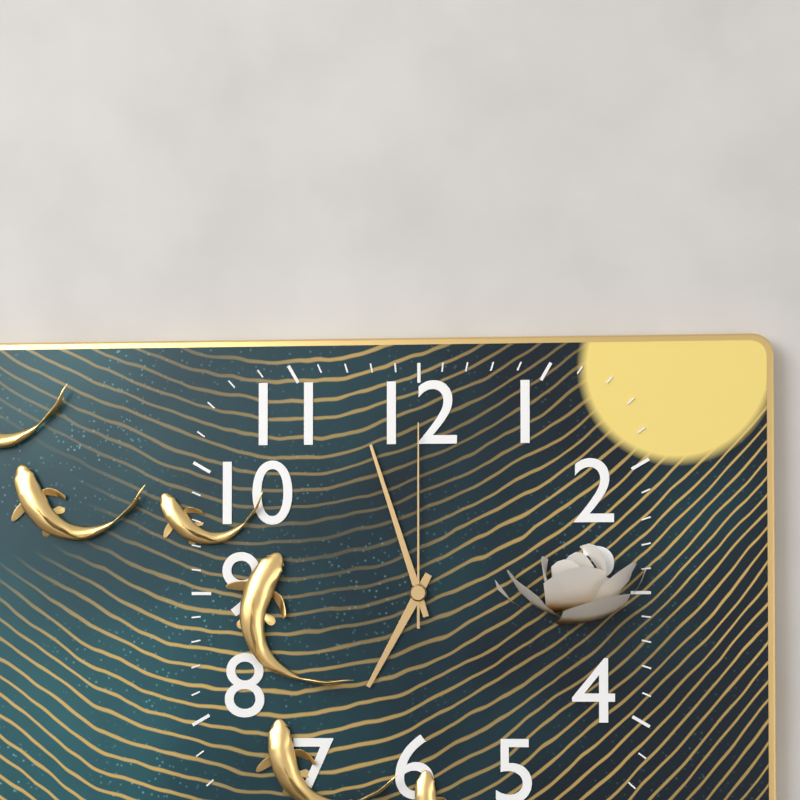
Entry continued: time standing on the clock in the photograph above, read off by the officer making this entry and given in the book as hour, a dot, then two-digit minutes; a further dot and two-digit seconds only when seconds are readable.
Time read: 6.57.00
